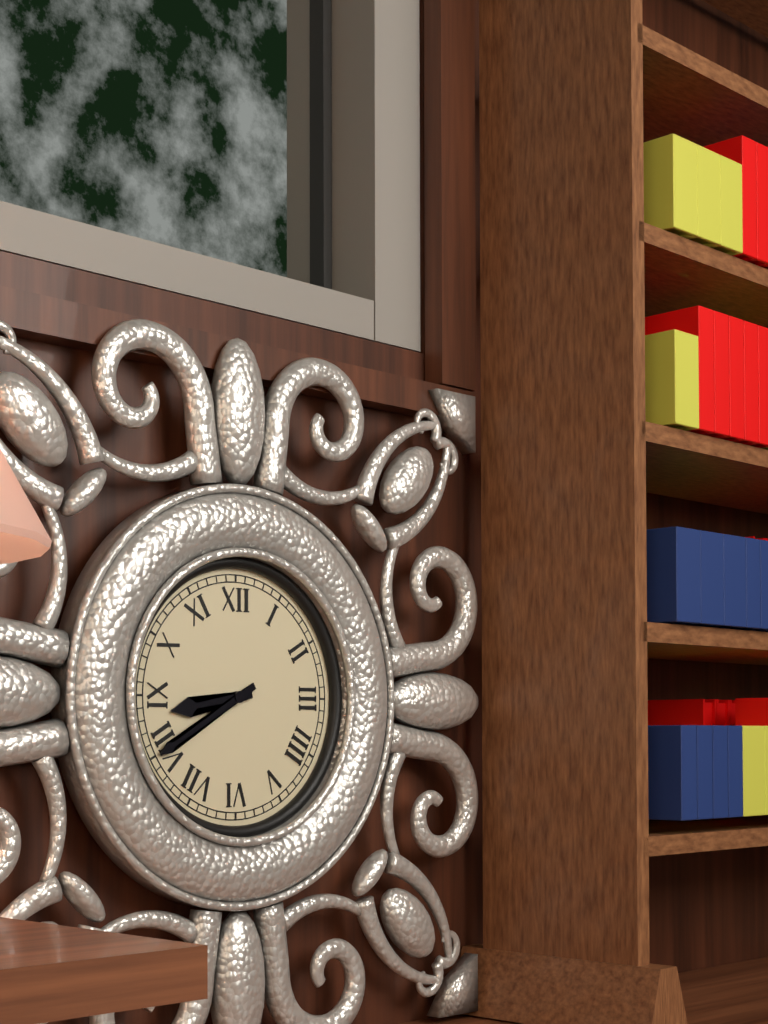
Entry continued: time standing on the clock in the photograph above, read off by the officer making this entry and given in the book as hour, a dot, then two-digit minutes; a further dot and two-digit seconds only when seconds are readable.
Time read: 8.40
